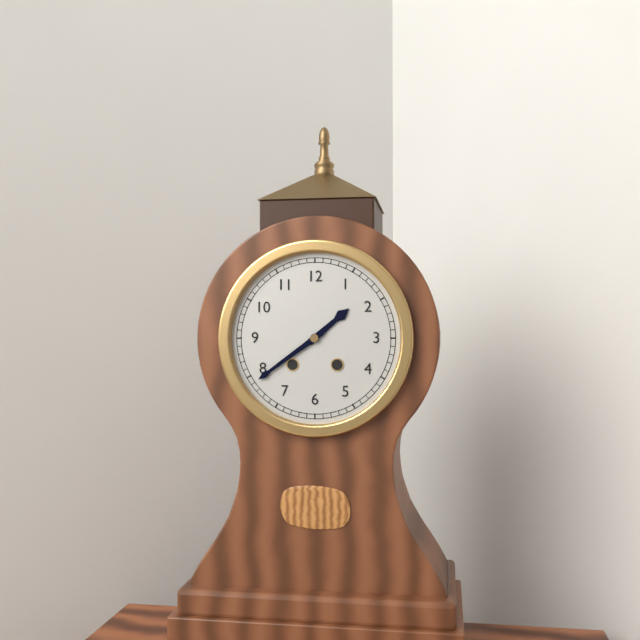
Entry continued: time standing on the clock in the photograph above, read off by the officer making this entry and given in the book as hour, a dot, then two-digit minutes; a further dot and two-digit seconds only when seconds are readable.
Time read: 1.39
